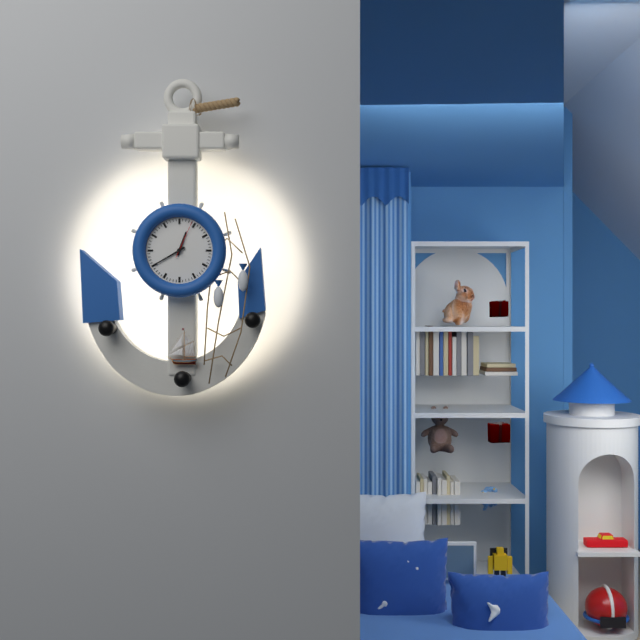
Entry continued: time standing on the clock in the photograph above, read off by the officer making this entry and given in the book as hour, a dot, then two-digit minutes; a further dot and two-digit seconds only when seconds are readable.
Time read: 12.40
